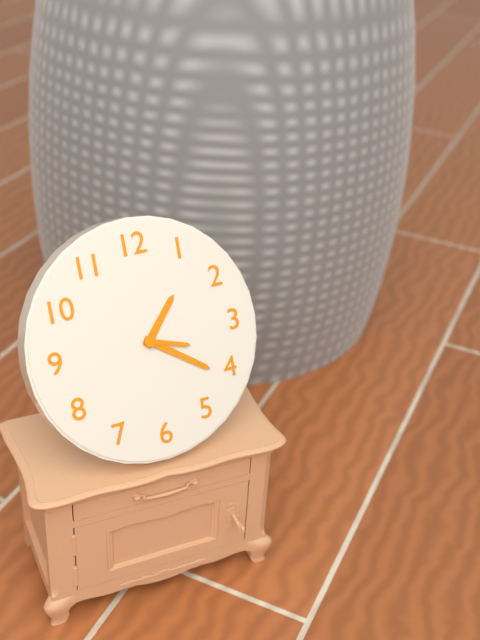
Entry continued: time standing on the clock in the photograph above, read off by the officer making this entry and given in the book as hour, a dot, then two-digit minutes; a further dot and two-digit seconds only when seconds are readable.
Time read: 1.21.18
